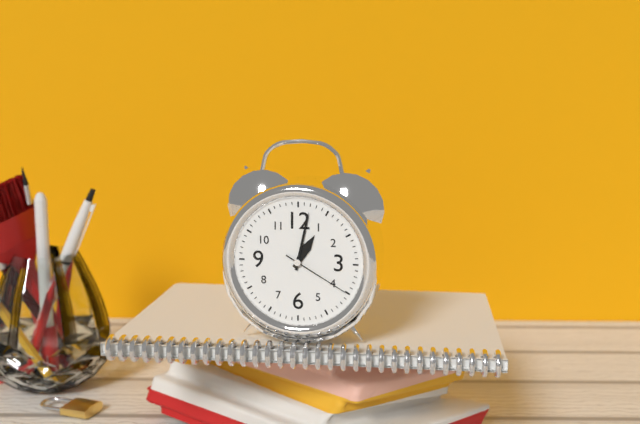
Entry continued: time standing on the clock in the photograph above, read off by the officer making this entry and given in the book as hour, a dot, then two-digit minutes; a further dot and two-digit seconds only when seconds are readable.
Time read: 1.02.20
